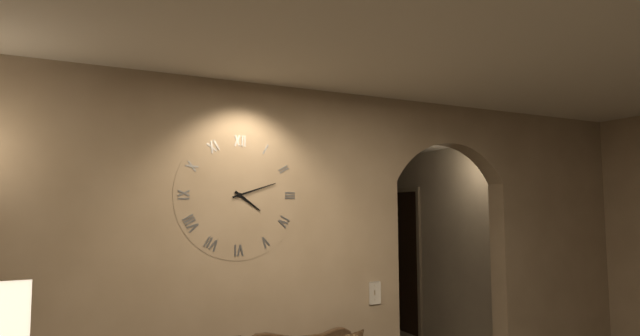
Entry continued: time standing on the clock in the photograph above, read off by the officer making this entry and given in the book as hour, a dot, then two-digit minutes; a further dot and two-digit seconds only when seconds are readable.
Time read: 4.12
